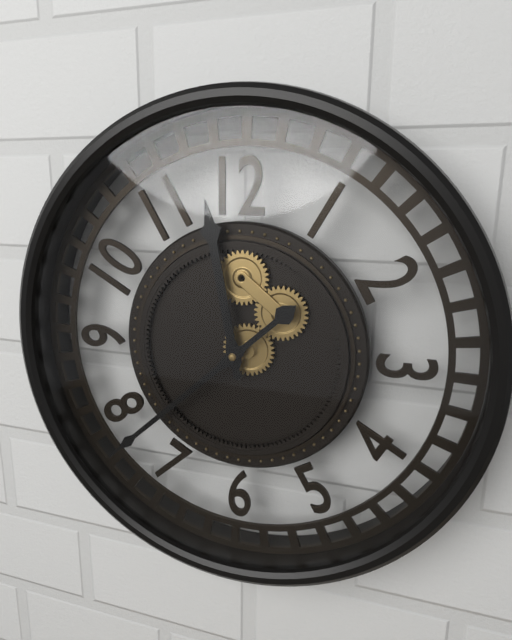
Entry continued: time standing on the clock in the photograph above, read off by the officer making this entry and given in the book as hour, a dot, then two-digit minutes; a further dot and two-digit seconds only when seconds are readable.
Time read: 11.38
